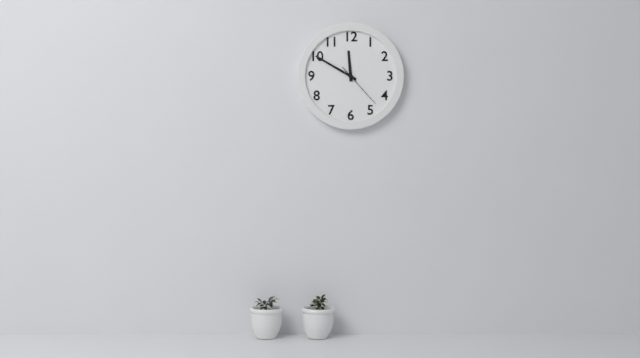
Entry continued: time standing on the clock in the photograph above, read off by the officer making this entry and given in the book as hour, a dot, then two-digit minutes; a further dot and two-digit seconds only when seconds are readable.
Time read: 11.50
